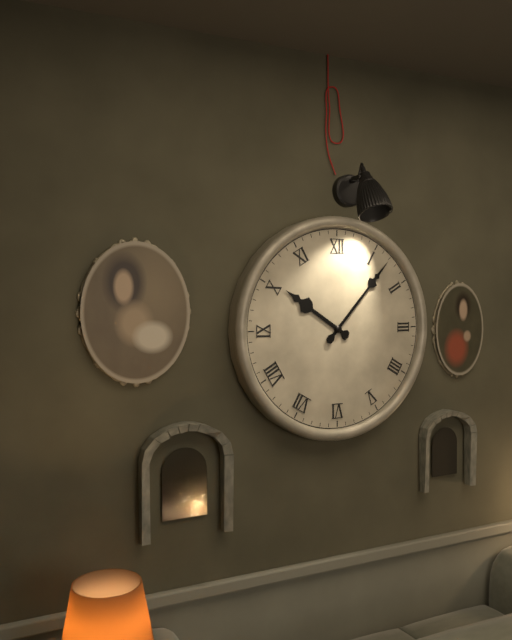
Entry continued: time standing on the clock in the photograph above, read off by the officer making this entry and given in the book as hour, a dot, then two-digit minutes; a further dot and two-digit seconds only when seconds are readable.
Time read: 10.07
